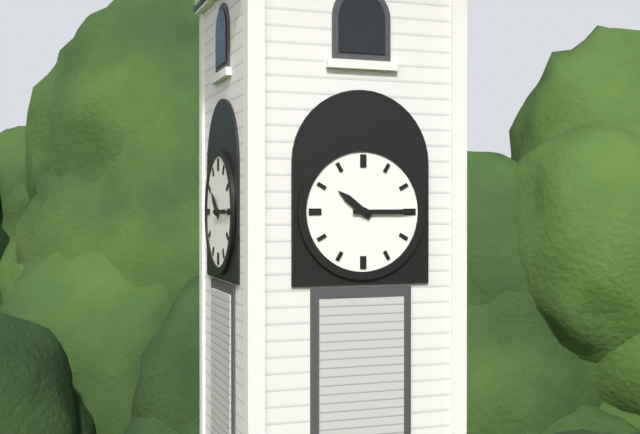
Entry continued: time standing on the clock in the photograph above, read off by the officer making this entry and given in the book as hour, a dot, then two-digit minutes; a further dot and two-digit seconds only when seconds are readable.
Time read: 10.15
